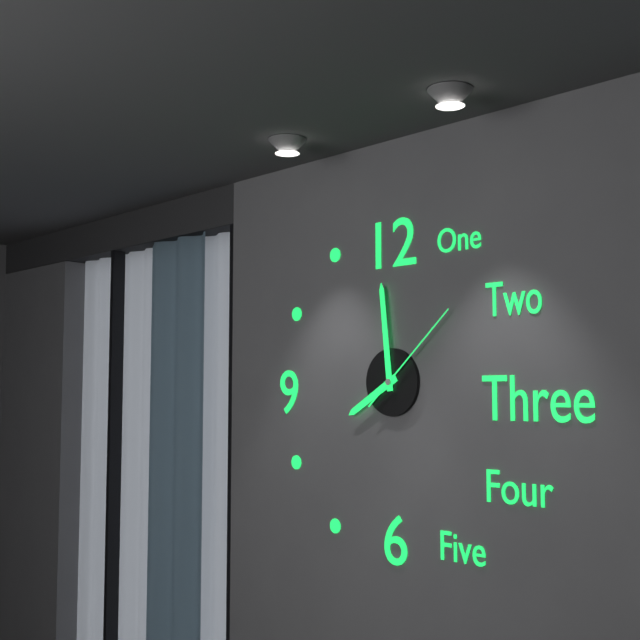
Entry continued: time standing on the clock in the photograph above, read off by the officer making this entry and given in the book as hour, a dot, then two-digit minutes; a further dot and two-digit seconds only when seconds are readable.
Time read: 7.59.08
